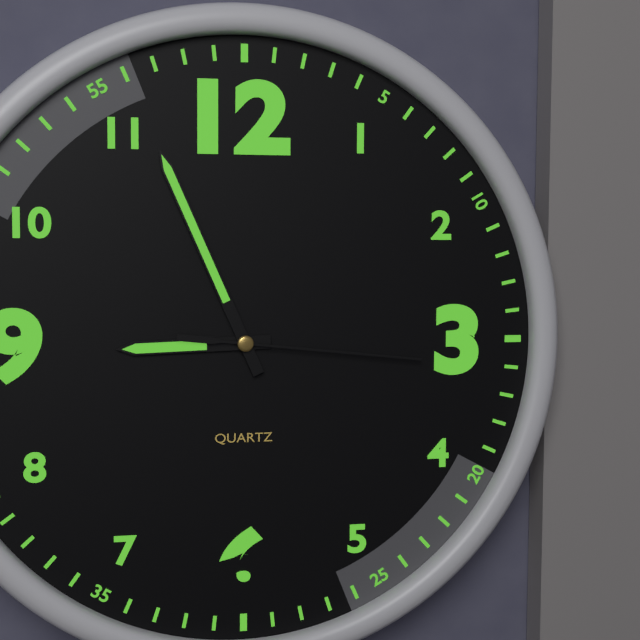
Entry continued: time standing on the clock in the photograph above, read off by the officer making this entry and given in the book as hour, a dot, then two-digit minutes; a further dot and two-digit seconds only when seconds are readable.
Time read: 8.56.16
